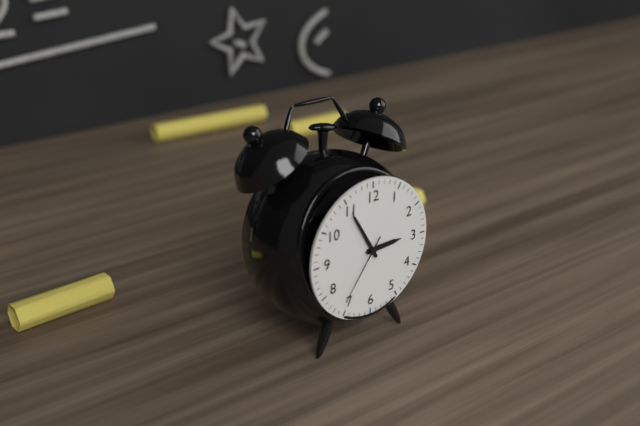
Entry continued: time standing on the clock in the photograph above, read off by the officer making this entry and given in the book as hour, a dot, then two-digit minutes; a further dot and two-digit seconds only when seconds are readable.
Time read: 2.55.36
